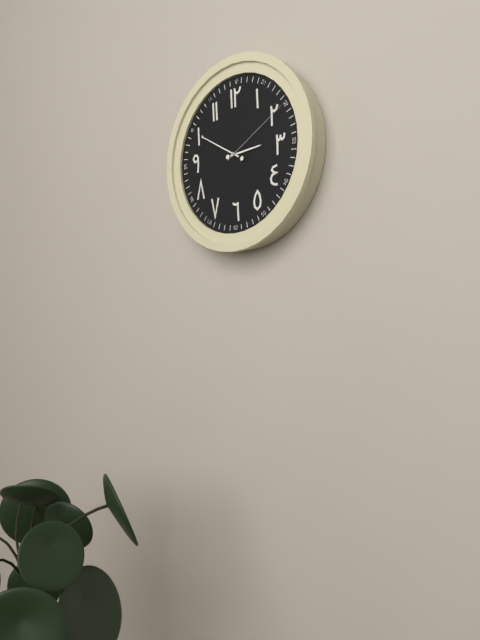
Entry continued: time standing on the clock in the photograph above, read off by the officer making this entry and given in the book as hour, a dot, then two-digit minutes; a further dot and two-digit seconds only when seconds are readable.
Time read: 2.50.10
